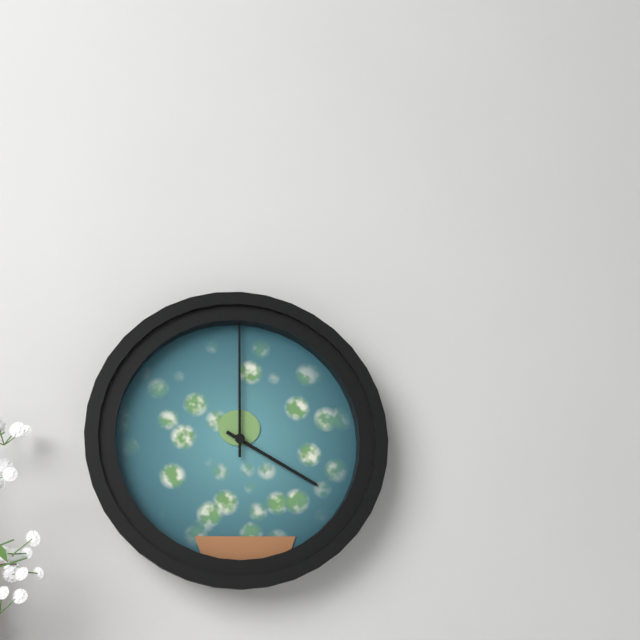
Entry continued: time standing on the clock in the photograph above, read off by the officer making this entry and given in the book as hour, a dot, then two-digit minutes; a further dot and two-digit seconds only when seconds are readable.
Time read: 4.00
